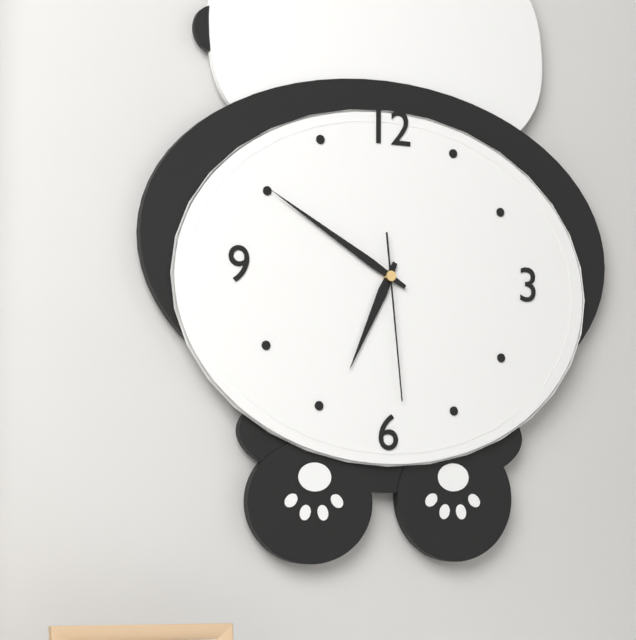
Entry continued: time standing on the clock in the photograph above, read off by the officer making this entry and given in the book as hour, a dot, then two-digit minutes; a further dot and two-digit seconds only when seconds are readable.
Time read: 6.50.29
